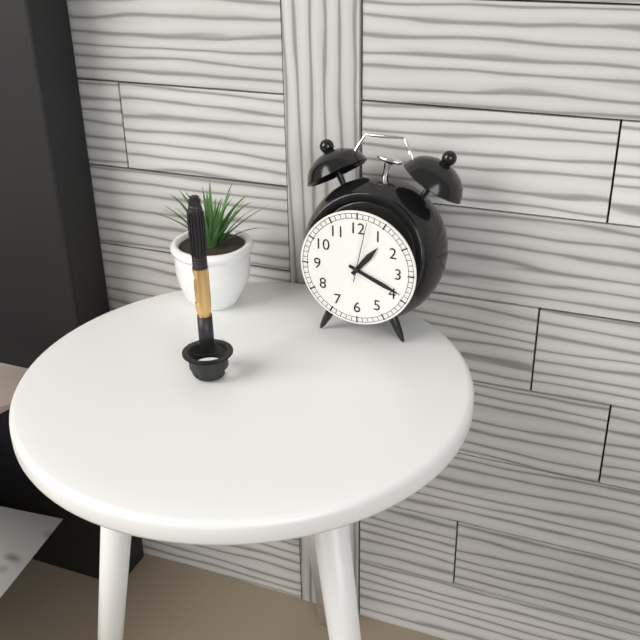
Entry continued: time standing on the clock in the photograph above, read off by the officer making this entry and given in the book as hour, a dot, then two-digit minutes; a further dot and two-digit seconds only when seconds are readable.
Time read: 1.19.02
